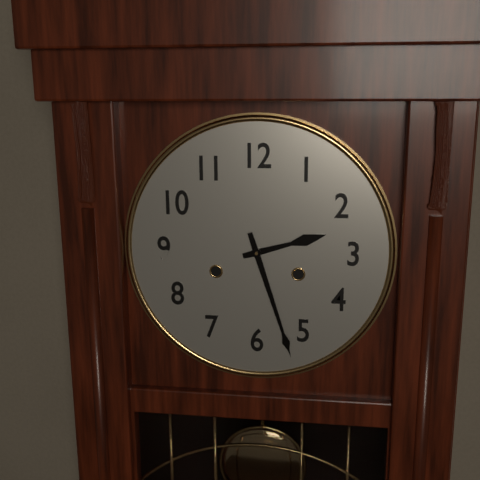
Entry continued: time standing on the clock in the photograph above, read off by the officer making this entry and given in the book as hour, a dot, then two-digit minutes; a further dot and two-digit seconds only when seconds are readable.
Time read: 2.27
